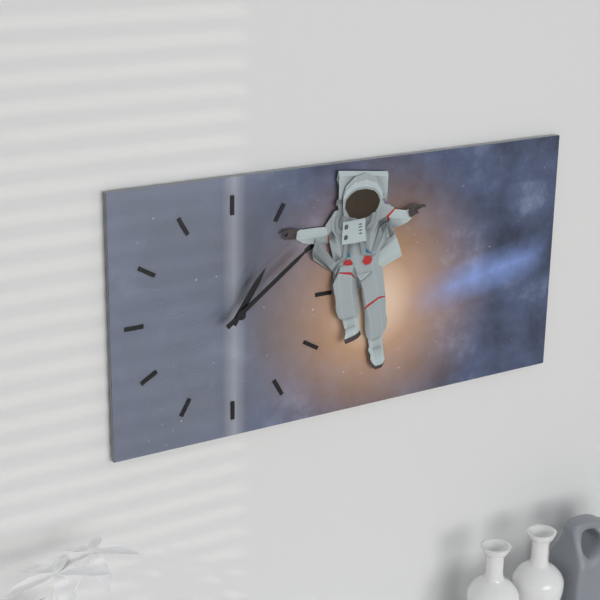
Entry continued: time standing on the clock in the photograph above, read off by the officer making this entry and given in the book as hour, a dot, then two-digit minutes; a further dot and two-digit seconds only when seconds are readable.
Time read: 1.09
